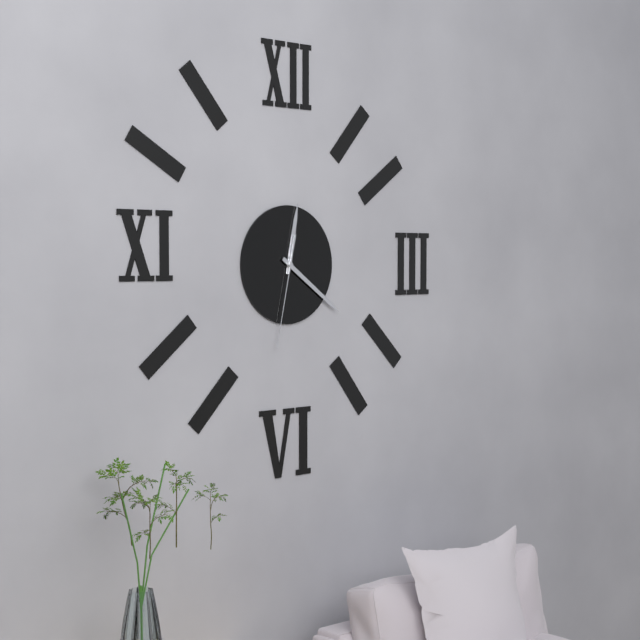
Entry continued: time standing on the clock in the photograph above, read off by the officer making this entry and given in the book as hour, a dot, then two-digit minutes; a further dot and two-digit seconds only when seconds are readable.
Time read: 12.21.32
